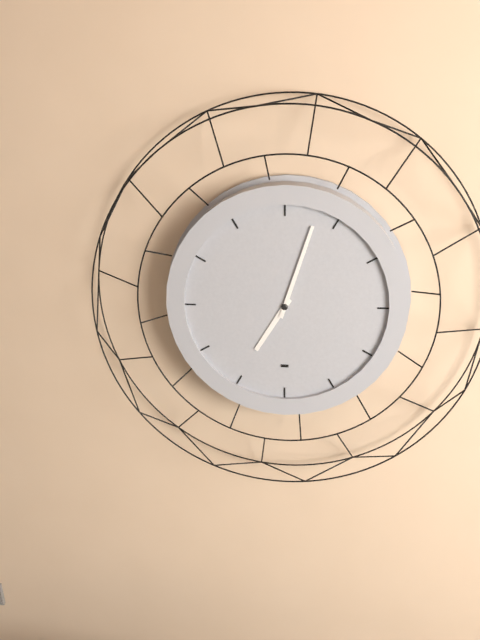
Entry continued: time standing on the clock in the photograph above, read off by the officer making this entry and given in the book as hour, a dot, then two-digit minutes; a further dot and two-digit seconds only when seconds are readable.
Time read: 7.03
